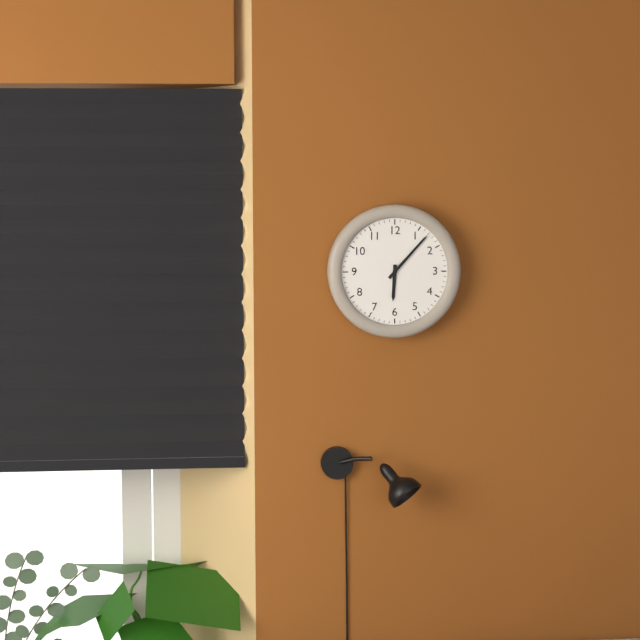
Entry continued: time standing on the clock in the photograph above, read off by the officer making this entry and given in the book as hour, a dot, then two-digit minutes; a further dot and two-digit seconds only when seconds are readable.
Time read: 6.07
